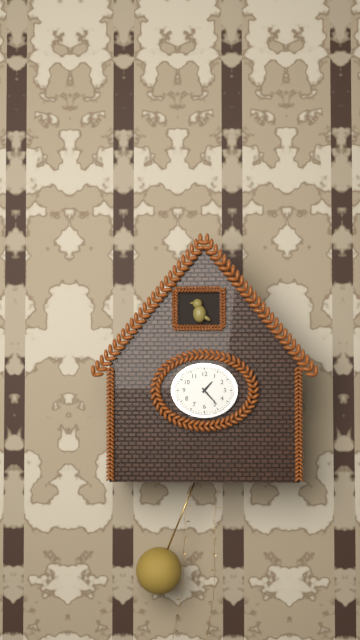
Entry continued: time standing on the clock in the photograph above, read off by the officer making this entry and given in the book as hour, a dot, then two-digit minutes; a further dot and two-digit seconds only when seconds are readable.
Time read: 1.23
